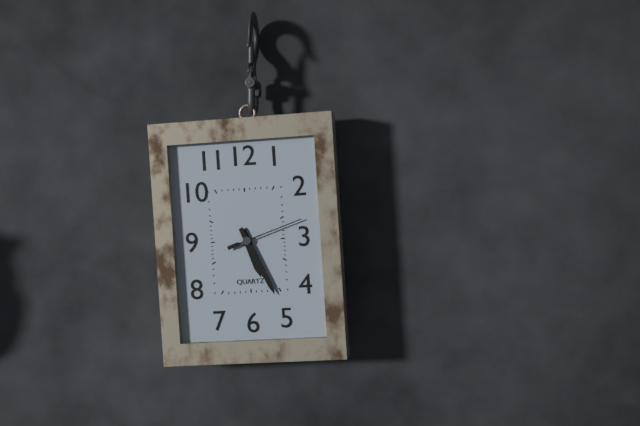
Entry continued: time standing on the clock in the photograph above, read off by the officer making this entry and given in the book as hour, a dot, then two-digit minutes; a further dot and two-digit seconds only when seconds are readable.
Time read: 5.26.12
